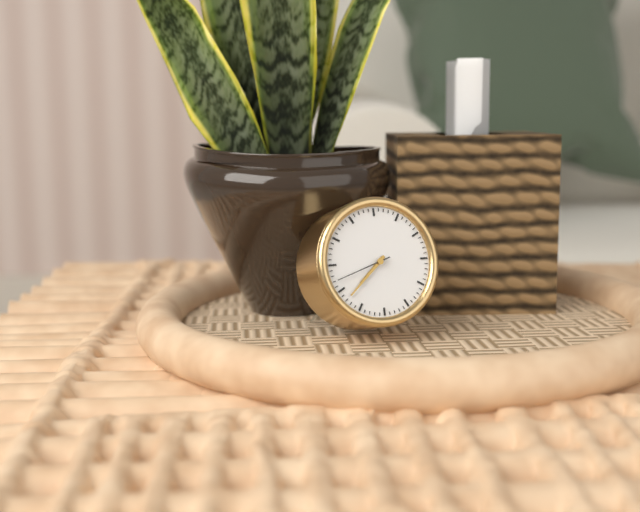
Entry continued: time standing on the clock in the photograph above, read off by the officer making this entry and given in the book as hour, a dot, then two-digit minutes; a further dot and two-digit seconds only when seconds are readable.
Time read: 7.38.42
